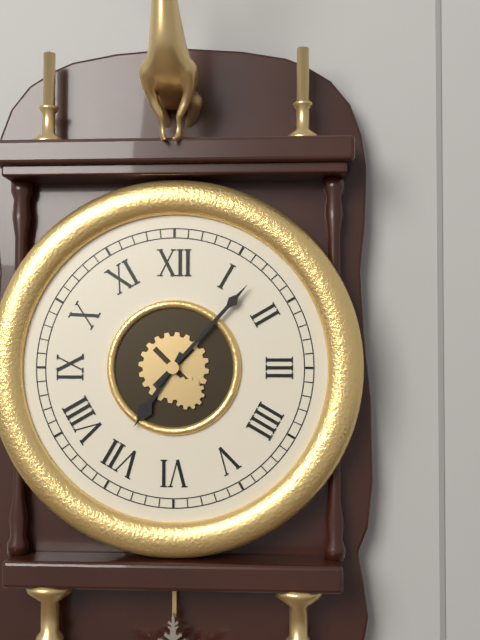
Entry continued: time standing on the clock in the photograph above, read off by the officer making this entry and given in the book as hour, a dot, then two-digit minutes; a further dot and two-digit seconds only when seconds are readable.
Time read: 7.07
